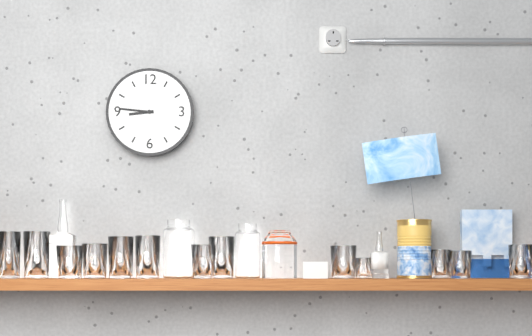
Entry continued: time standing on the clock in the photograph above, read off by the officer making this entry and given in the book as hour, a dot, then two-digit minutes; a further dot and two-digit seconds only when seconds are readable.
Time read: 8.46
